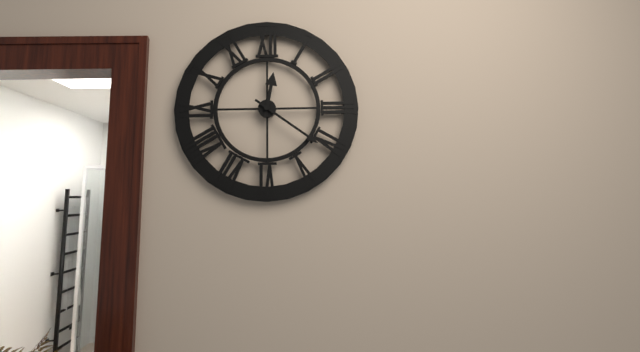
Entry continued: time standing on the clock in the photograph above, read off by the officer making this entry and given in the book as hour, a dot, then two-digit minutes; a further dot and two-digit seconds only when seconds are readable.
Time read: 12.21
